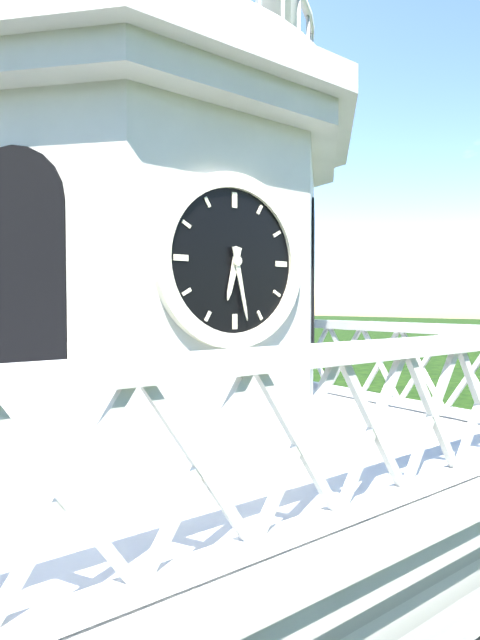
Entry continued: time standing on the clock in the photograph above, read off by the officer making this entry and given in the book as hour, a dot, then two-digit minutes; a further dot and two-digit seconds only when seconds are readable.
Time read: 6.28
